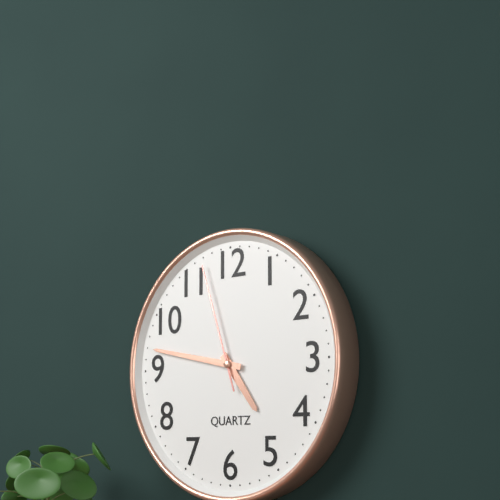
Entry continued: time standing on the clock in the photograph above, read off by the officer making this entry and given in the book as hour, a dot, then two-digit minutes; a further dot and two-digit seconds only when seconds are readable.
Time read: 4.47.57
